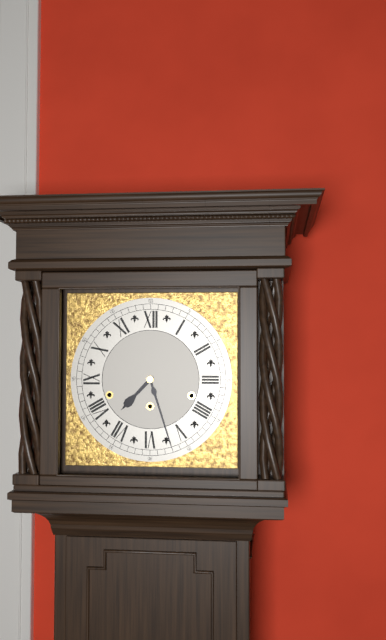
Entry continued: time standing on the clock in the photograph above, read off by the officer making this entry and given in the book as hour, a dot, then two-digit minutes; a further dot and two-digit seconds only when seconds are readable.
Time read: 7.27
